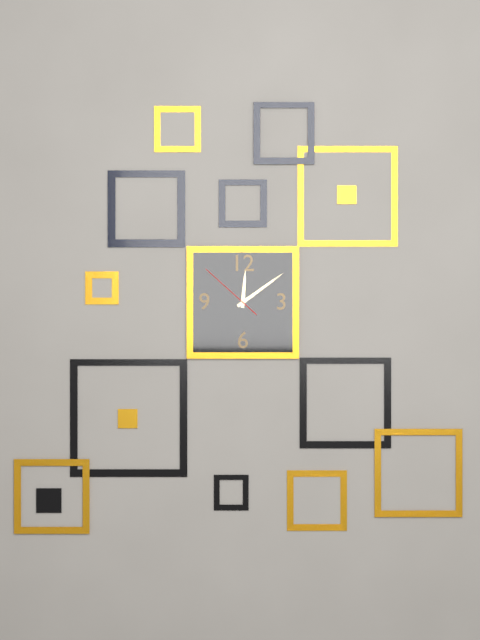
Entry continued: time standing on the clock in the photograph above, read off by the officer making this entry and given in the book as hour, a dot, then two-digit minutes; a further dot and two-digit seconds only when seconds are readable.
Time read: 12.09.52
